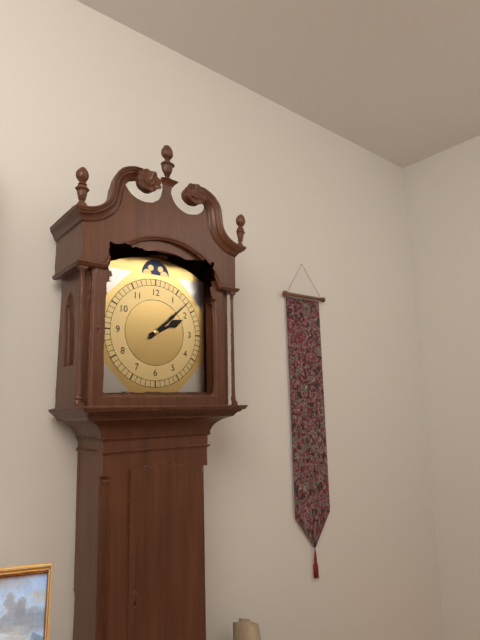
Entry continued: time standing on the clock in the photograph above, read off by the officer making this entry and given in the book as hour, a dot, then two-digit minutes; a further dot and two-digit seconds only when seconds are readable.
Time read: 2.08
